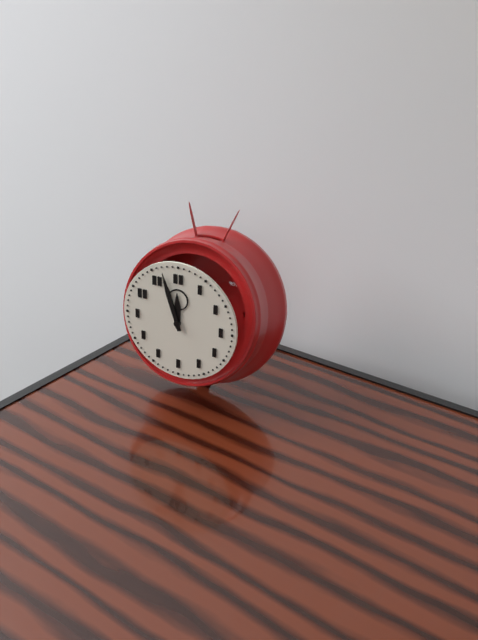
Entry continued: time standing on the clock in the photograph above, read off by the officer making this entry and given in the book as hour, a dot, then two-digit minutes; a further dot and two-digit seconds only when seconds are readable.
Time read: 11.57
